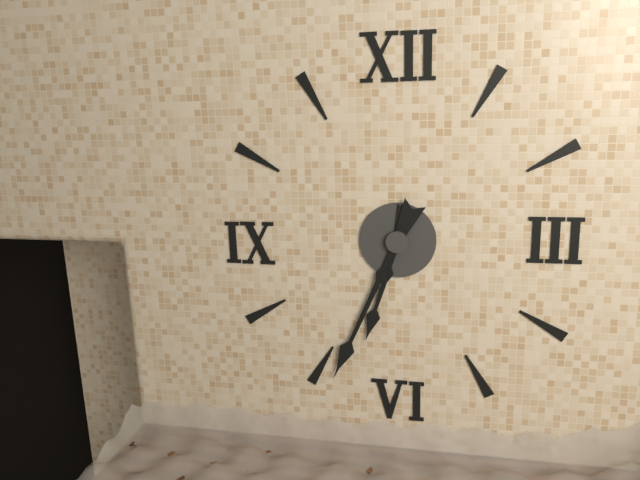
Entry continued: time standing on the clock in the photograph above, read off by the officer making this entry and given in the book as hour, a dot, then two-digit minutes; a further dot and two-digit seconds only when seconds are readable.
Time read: 6.34
